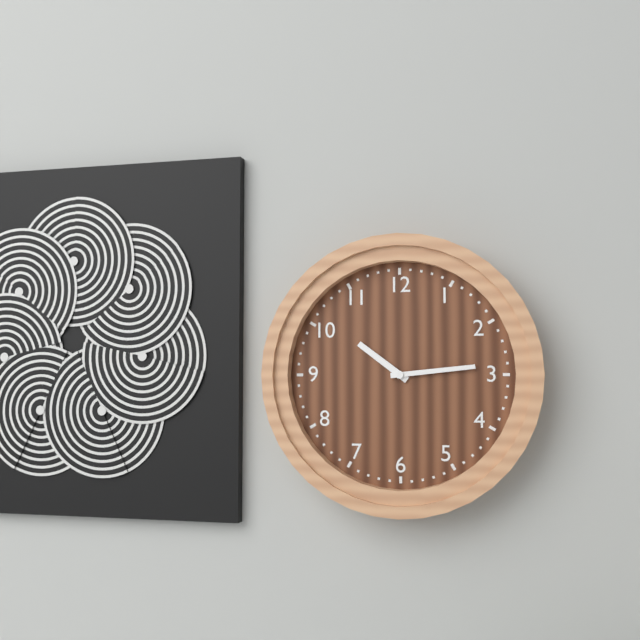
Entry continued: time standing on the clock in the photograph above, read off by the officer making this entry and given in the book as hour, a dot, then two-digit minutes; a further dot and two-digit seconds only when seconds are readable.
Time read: 10.14
